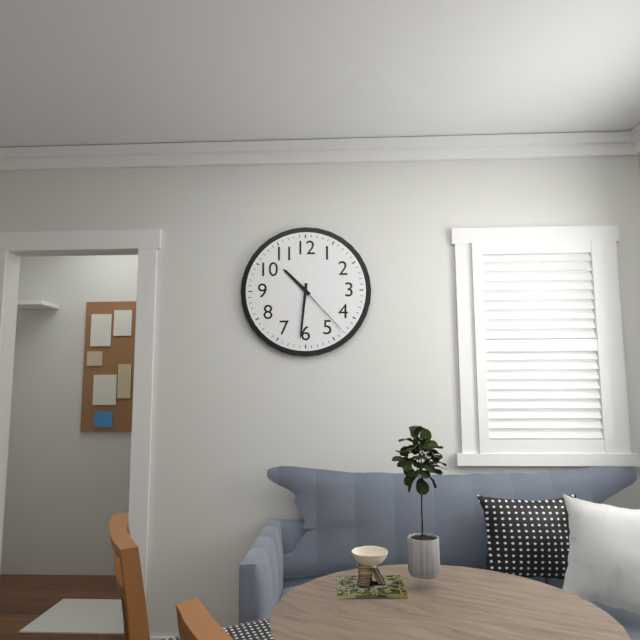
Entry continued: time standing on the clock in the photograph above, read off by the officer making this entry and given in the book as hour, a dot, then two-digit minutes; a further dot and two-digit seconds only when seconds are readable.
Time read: 10.31.23
